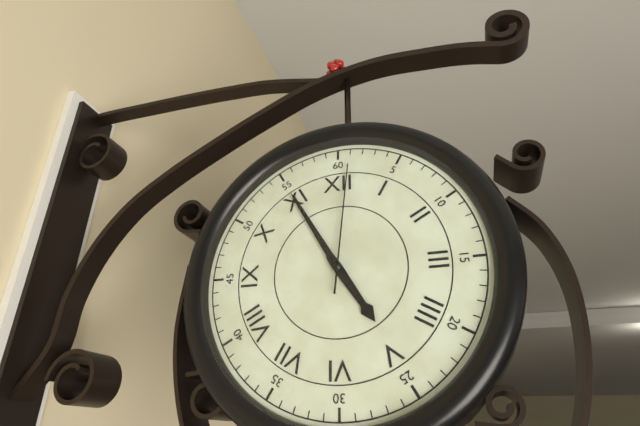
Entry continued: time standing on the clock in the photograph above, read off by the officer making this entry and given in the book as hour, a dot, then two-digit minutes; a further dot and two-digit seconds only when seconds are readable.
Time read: 4.55.01
